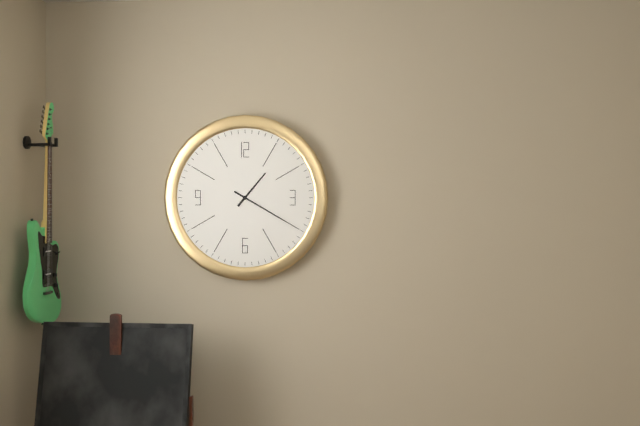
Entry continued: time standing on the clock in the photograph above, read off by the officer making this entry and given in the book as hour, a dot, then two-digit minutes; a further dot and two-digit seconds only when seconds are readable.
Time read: 1.20
